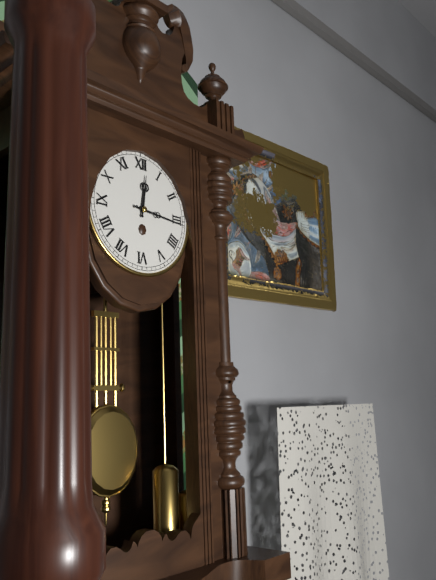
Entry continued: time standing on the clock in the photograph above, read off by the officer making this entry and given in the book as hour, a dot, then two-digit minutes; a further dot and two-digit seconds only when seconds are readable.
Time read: 12.16
